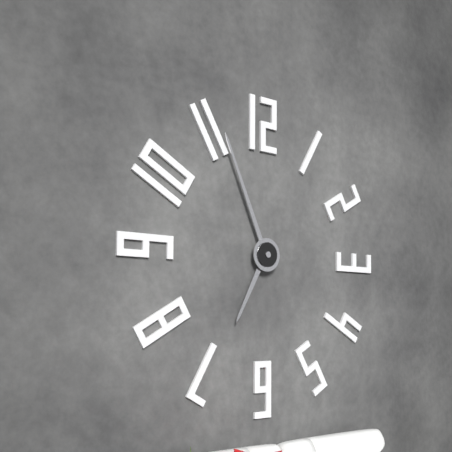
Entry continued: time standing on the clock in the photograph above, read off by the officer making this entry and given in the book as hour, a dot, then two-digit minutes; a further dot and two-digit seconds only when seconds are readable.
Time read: 6.56
